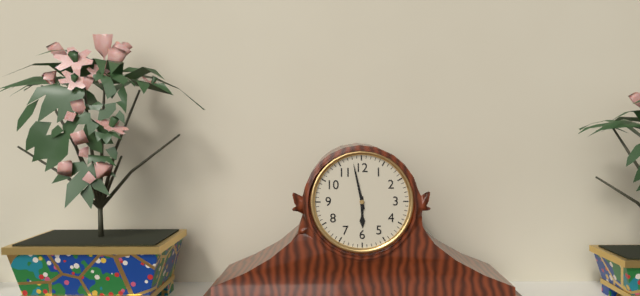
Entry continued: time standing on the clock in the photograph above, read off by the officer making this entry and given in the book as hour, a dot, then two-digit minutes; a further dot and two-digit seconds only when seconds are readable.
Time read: 5.58
